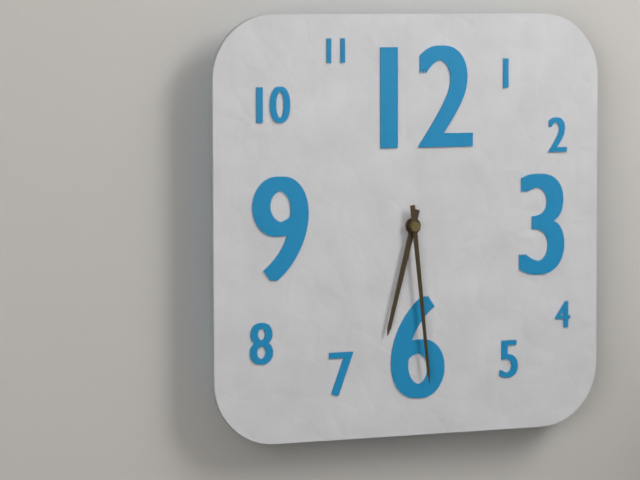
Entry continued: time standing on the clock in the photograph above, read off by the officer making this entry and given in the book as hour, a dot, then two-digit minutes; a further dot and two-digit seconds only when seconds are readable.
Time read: 6.29
